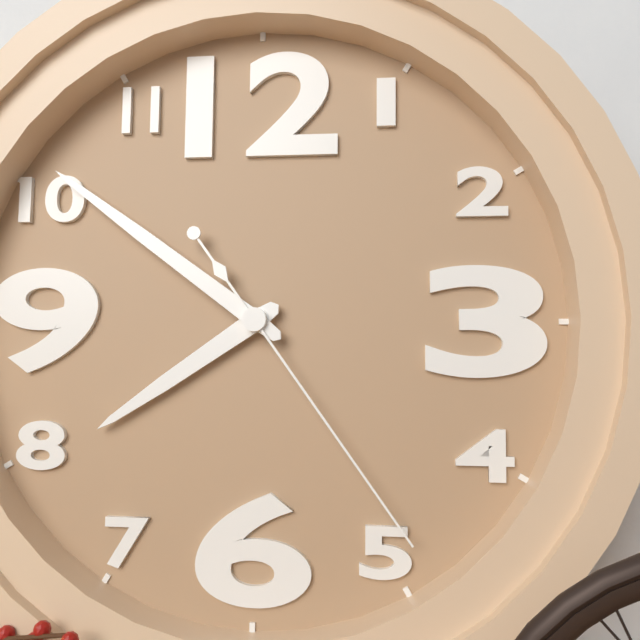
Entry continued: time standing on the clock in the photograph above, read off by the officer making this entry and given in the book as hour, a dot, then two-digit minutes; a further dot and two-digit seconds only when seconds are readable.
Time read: 7.51.24
